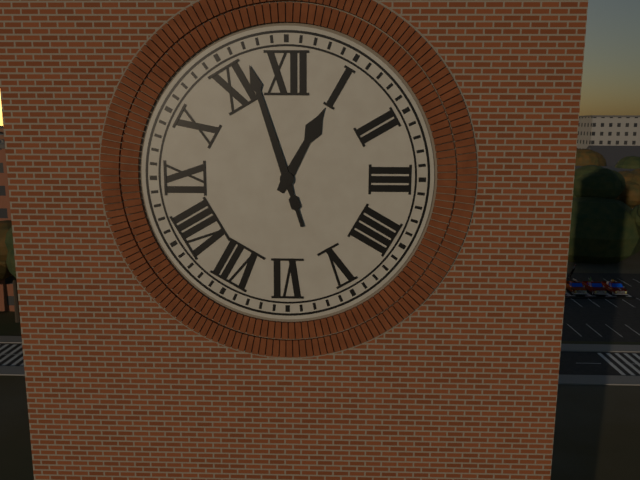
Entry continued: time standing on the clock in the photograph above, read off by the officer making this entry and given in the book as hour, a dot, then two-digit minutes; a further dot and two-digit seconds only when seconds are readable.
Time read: 12.57
